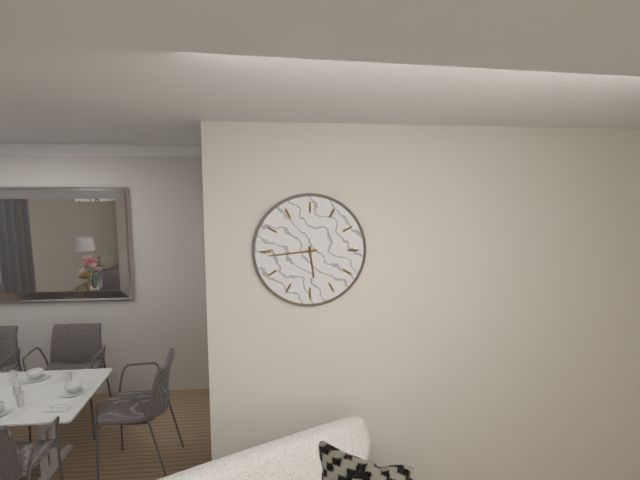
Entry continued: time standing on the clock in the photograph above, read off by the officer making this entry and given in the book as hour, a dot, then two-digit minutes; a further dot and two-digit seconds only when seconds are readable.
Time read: 5.44
